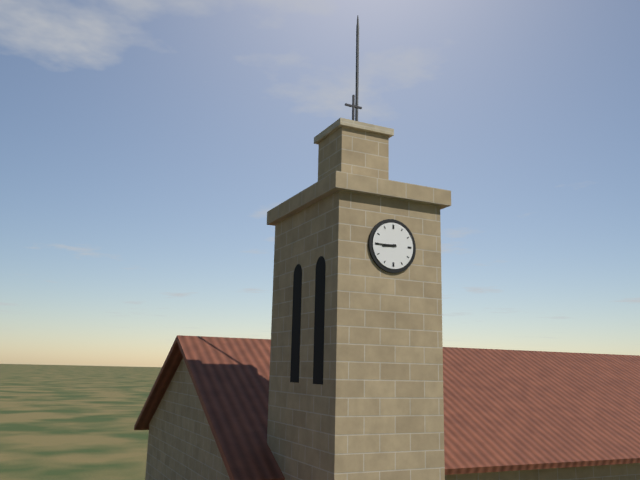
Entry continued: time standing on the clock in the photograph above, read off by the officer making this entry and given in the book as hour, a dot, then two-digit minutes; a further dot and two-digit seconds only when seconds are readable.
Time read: 8.45
